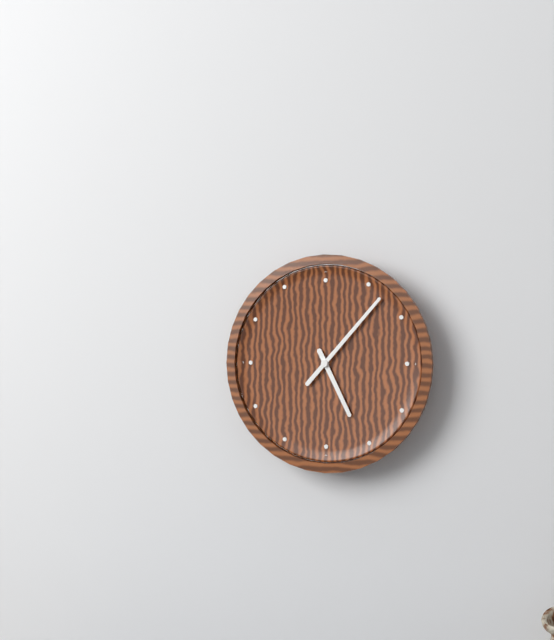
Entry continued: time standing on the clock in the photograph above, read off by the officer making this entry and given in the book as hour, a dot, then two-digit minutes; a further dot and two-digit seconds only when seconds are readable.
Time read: 5.07
